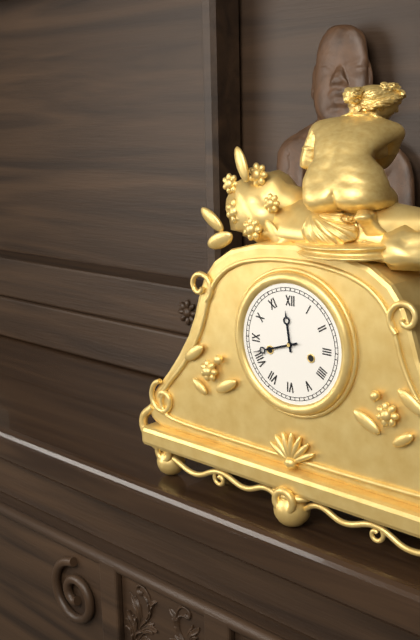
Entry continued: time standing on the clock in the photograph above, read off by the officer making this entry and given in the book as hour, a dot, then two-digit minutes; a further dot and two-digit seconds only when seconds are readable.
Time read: 11.42
